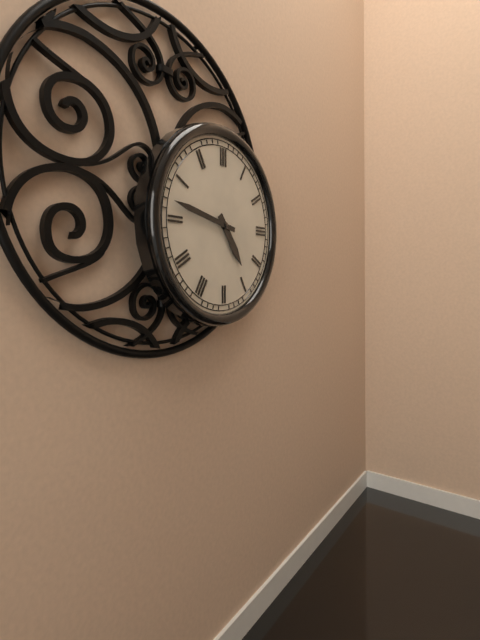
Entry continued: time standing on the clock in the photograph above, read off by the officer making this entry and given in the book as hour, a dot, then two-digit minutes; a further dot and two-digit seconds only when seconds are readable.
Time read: 4.47
